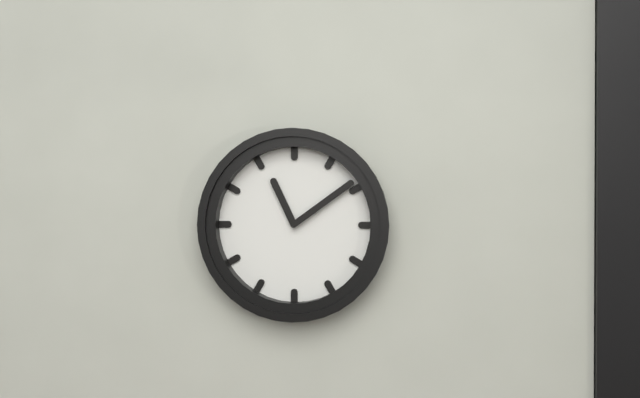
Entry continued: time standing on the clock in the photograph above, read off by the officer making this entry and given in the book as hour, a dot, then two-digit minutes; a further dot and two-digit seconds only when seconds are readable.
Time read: 11.09
